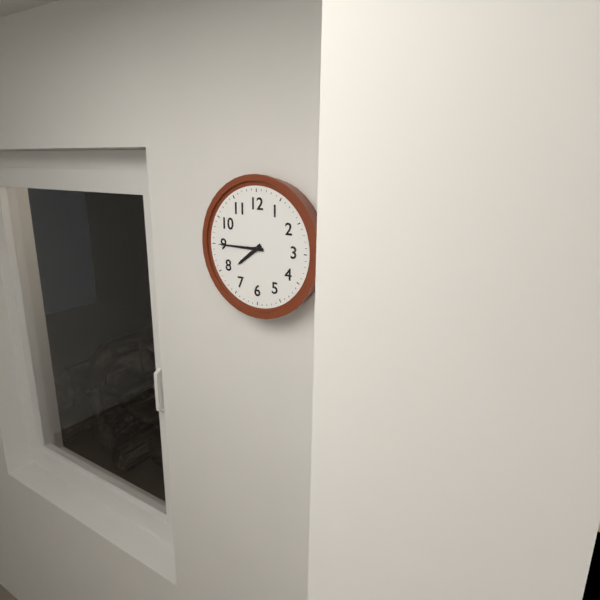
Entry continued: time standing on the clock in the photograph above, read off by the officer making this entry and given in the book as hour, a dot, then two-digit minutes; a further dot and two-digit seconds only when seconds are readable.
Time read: 7.45
